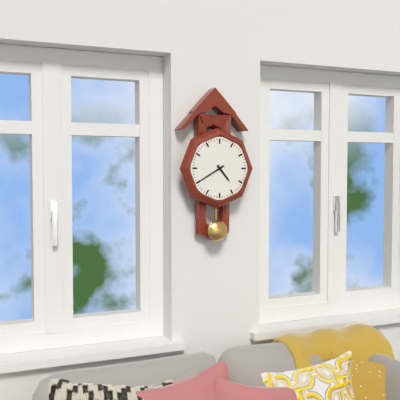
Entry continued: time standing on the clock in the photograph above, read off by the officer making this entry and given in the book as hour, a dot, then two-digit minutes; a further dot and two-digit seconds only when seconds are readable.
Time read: 4.40
